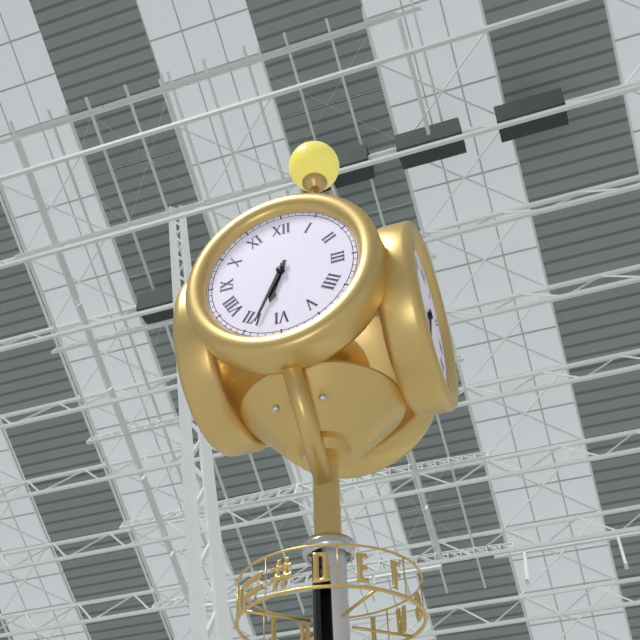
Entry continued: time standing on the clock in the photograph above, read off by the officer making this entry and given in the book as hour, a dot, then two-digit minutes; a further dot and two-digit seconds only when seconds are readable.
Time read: 6.34
